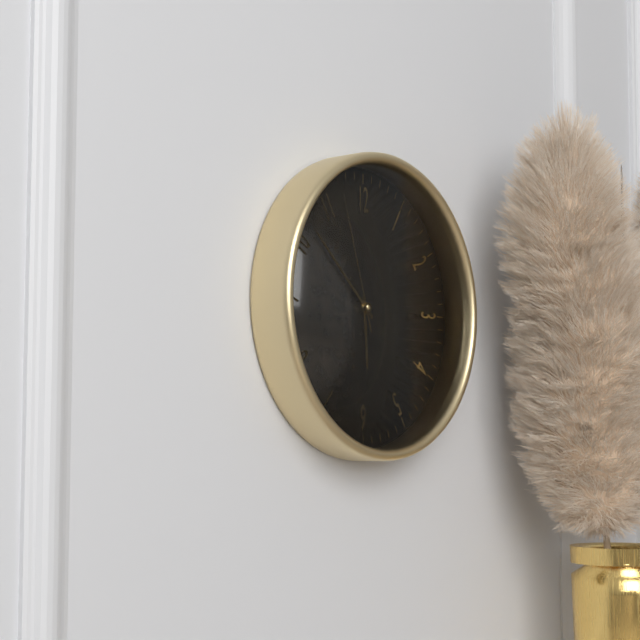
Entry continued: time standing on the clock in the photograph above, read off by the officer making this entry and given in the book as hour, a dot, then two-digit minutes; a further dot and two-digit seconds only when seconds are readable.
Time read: 5.52.57
